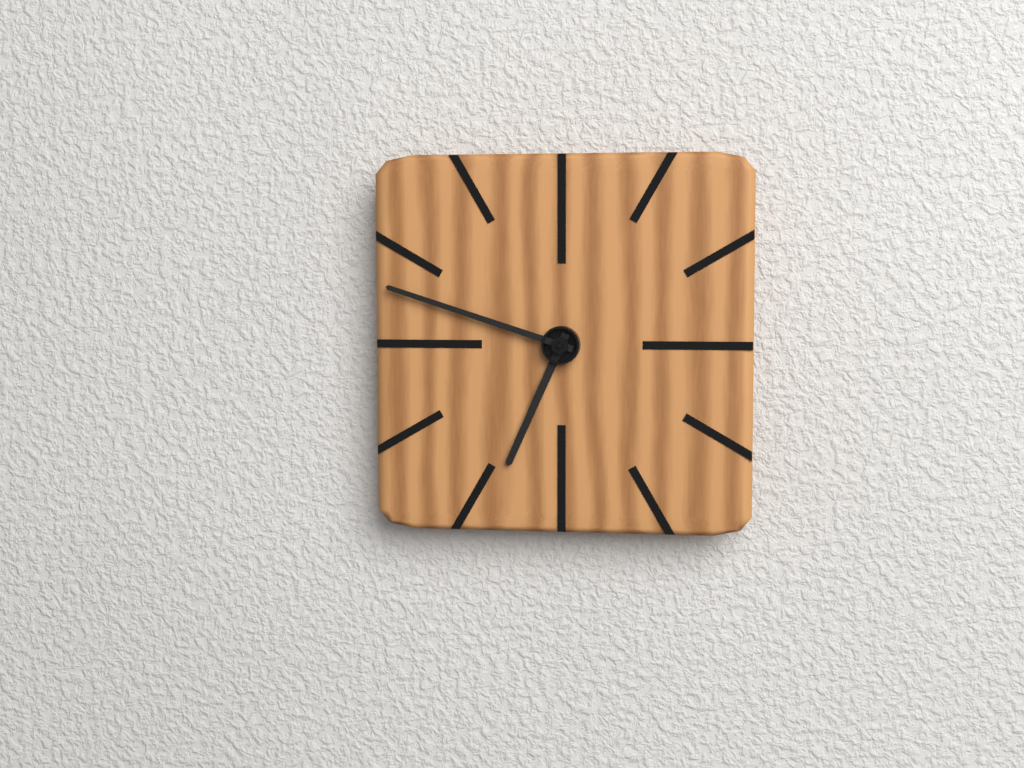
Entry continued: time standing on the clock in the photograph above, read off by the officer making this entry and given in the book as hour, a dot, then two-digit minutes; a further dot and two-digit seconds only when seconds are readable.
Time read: 6.48
